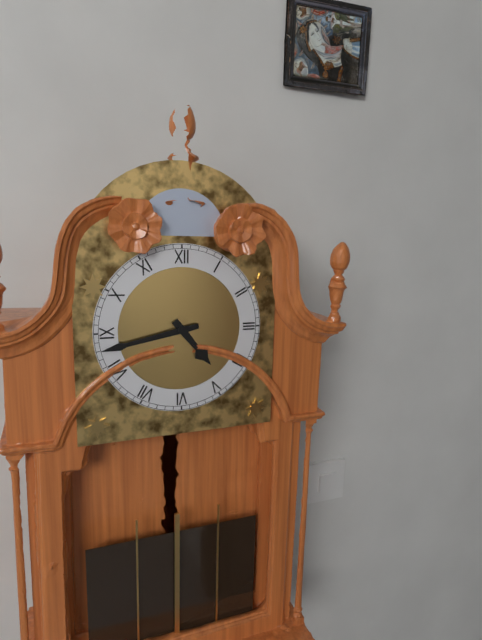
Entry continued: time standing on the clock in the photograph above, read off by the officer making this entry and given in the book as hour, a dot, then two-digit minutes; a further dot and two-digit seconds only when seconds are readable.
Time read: 4.43
